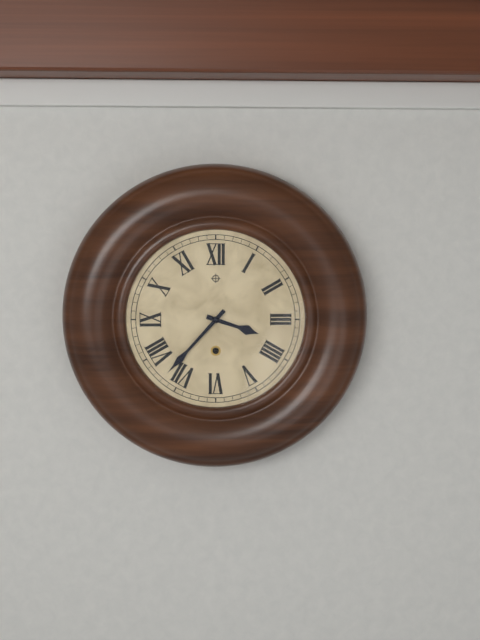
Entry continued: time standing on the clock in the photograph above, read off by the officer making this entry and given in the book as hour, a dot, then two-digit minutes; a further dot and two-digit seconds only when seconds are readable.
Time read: 3.37
